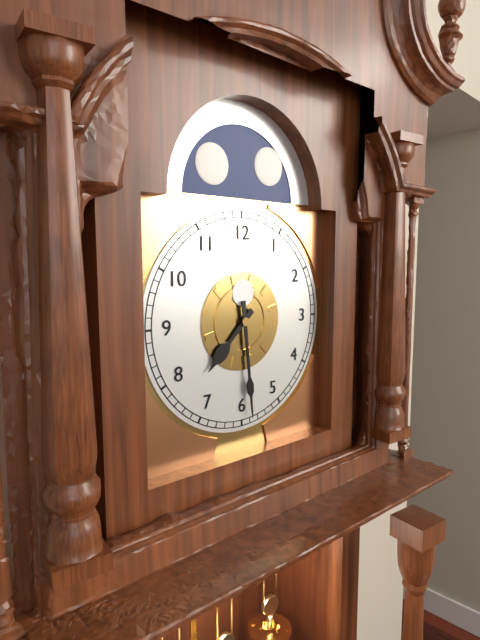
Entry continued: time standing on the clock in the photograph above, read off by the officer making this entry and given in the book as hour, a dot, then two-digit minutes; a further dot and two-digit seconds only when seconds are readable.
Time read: 7.29
